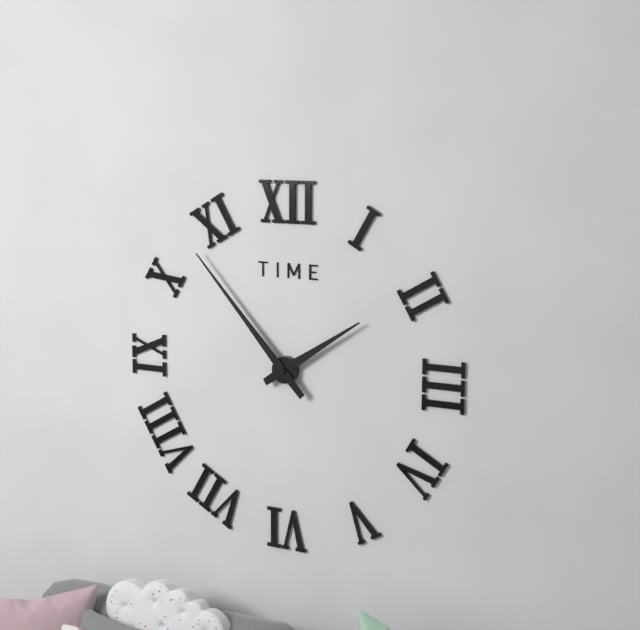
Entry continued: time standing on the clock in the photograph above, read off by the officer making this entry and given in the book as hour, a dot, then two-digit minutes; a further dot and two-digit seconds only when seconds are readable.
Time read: 1.53
